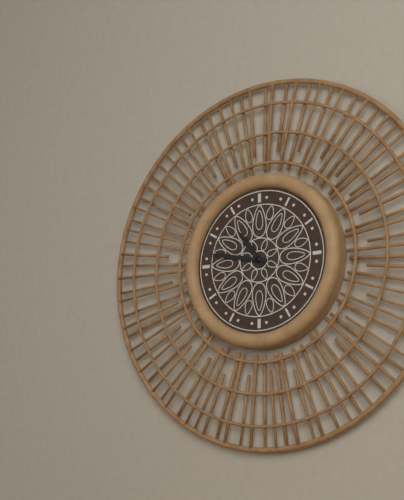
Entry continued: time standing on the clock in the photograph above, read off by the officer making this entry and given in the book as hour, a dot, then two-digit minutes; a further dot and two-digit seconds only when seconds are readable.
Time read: 10.47
